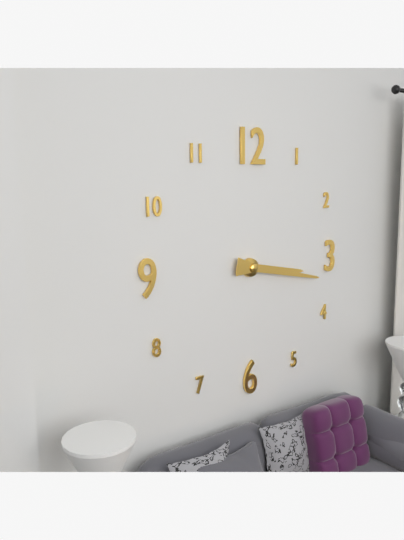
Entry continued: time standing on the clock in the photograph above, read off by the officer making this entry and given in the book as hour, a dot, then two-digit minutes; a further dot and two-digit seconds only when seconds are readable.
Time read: 3.17
